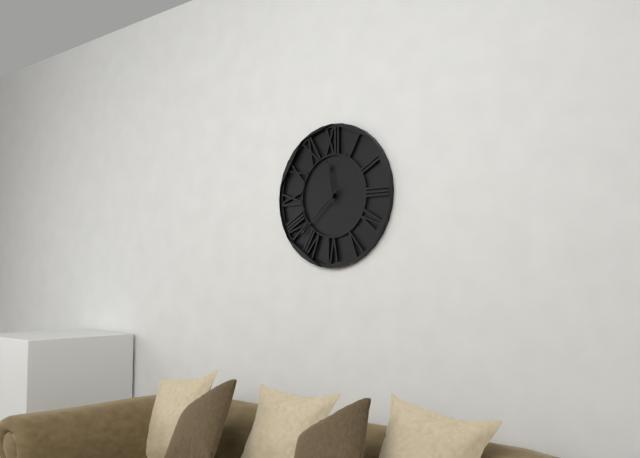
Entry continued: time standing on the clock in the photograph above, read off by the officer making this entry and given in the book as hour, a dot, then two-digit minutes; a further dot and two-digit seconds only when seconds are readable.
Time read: 11.38
